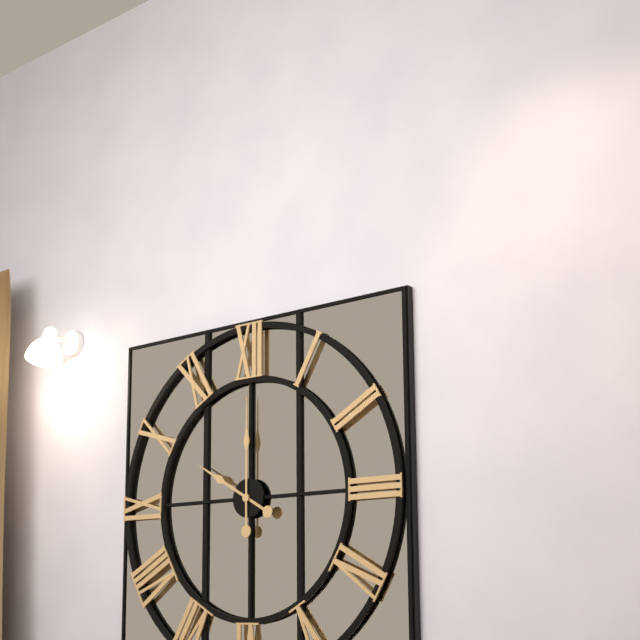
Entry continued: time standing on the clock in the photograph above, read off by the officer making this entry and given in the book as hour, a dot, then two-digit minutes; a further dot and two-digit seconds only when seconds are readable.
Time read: 10.00
